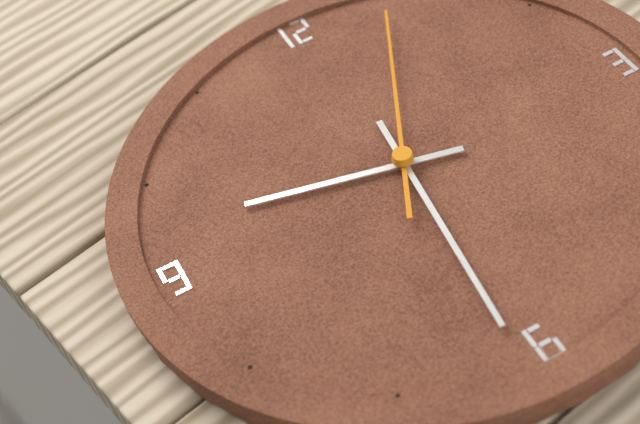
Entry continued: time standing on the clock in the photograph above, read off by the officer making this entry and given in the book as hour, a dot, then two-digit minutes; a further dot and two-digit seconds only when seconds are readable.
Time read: 9.31.04
